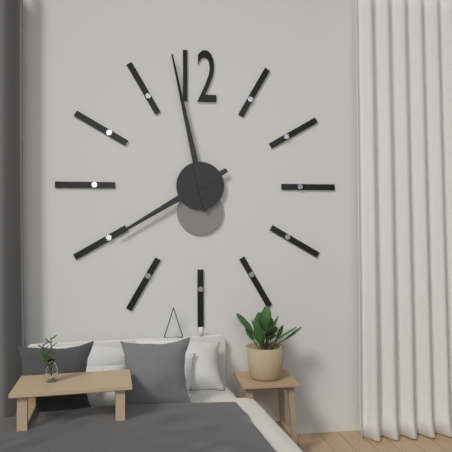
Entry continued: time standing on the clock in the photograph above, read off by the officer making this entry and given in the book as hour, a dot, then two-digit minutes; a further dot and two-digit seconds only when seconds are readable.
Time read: 7.58
